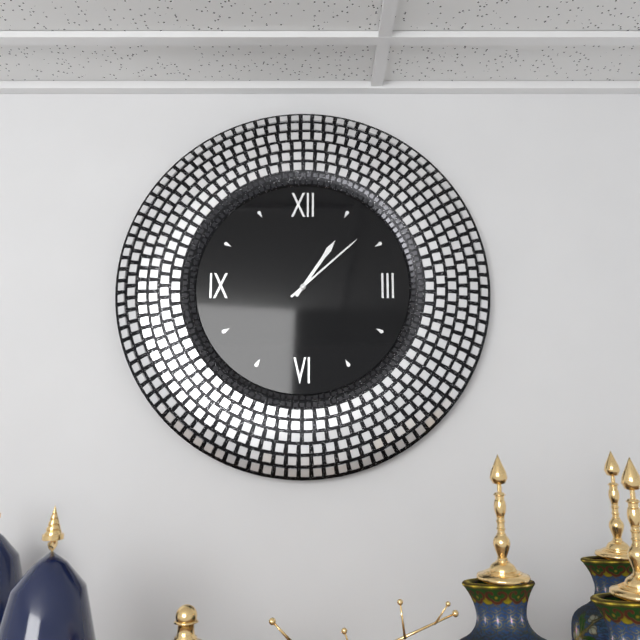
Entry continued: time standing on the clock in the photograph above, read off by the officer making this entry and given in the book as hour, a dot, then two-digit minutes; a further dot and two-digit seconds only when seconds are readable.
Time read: 1.08
